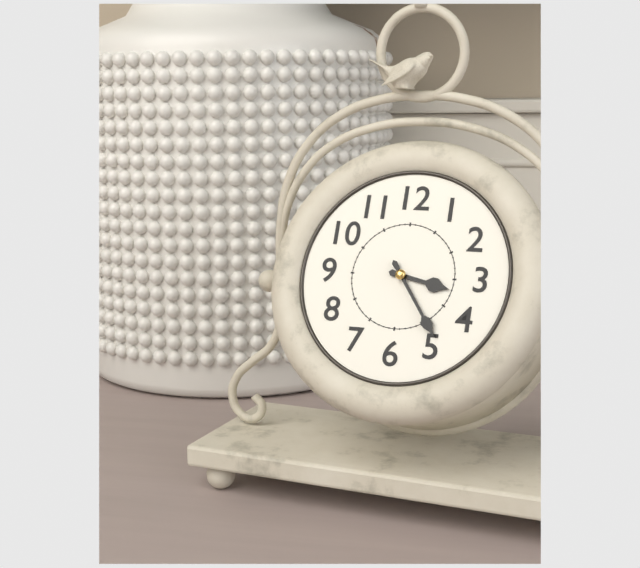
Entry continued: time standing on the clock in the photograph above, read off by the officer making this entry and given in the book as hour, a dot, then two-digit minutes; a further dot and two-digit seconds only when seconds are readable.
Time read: 3.24
